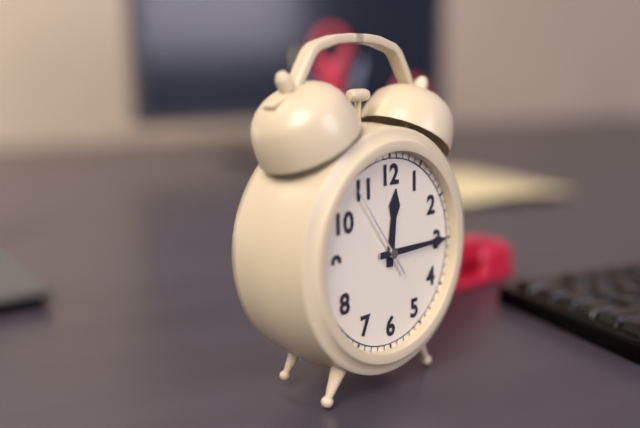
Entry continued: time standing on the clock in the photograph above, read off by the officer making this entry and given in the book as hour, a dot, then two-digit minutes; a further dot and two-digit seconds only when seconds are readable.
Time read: 12.15.54
